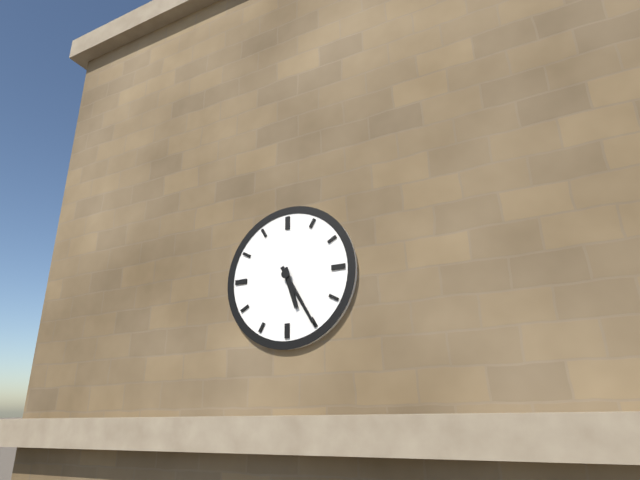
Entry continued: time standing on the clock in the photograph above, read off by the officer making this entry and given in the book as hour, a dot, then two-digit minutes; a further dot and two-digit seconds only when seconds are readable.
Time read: 5.25
